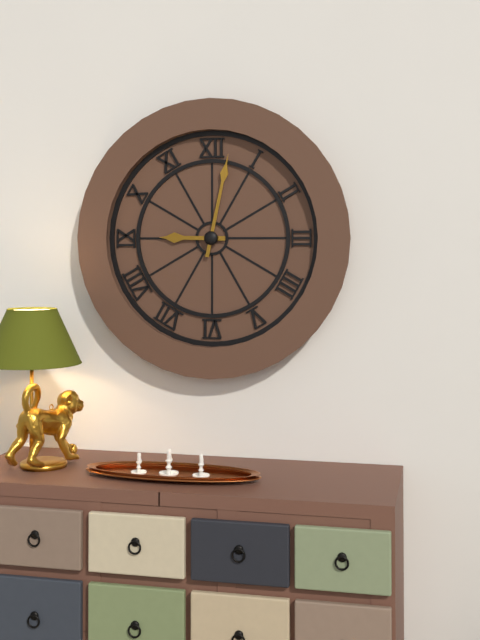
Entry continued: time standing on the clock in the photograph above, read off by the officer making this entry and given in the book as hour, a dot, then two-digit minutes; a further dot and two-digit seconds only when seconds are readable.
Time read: 9.02
